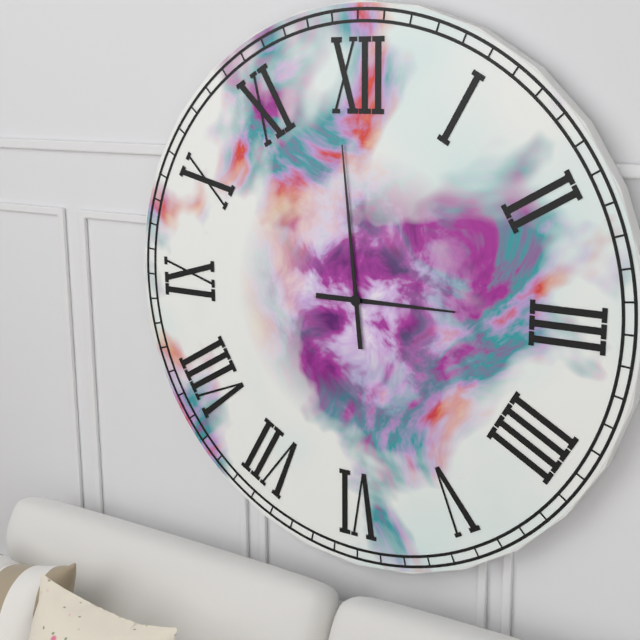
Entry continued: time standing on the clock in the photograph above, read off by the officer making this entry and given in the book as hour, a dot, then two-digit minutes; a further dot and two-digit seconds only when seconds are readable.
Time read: 2.59
